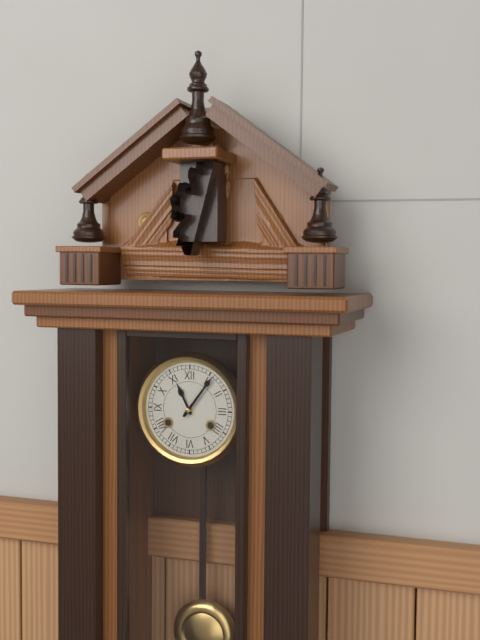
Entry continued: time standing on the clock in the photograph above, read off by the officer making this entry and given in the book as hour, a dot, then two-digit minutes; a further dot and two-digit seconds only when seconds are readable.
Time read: 11.06
